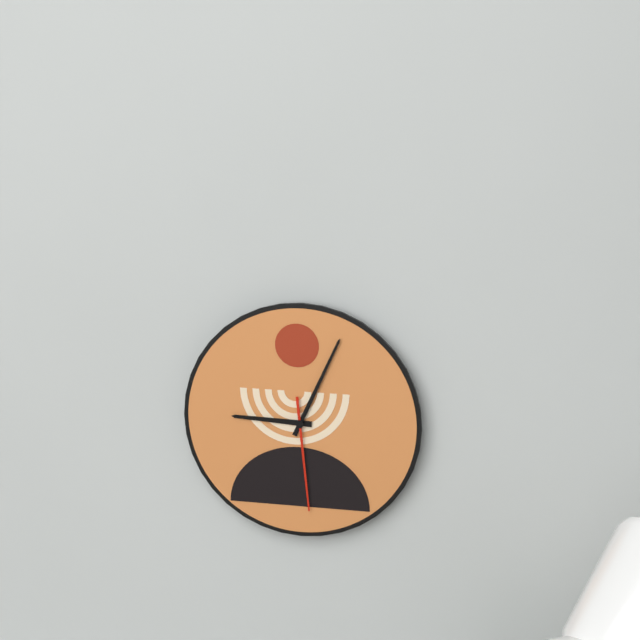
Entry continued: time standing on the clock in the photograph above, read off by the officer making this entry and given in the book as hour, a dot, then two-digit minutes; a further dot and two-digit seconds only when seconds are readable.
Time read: 9.04.29
